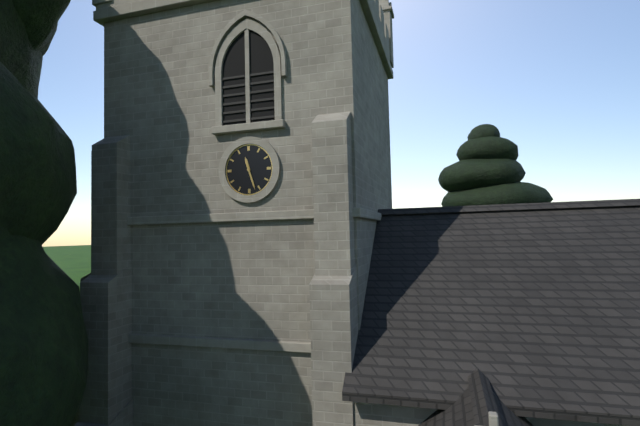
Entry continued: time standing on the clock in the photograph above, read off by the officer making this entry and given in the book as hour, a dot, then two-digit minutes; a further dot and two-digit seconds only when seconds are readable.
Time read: 11.27
